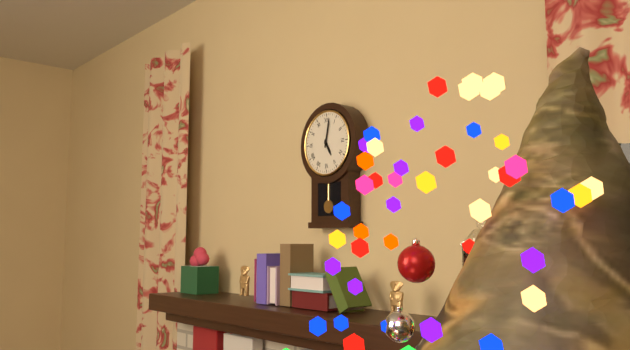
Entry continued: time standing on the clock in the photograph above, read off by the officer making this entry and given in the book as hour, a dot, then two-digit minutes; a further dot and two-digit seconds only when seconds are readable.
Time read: 5.02
